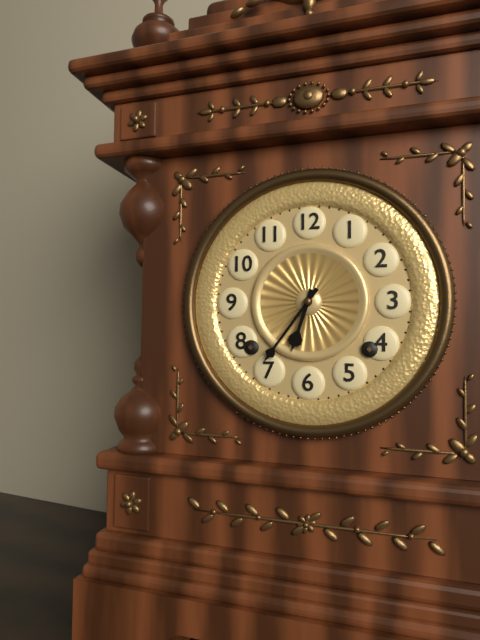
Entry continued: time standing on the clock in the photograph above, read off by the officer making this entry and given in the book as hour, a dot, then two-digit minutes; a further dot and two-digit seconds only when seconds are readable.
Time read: 6.36
